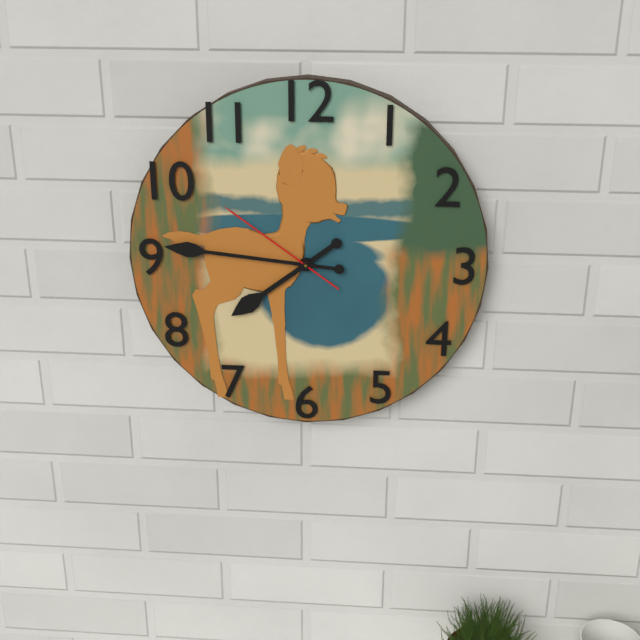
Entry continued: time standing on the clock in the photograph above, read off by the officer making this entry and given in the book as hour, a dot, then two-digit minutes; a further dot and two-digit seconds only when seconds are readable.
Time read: 7.46.51
